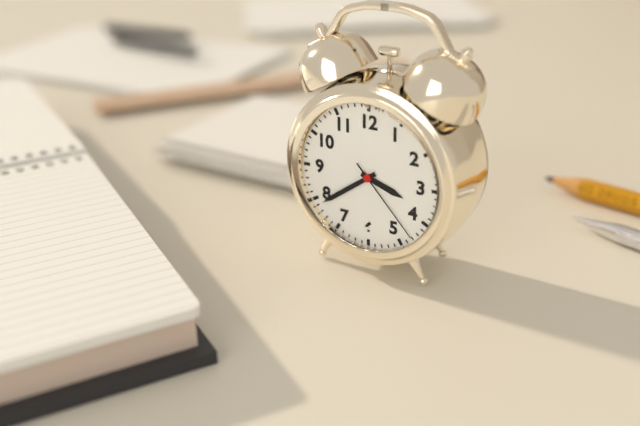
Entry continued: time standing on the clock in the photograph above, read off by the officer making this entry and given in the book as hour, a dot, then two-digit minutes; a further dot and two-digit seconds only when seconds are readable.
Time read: 3.39.23
